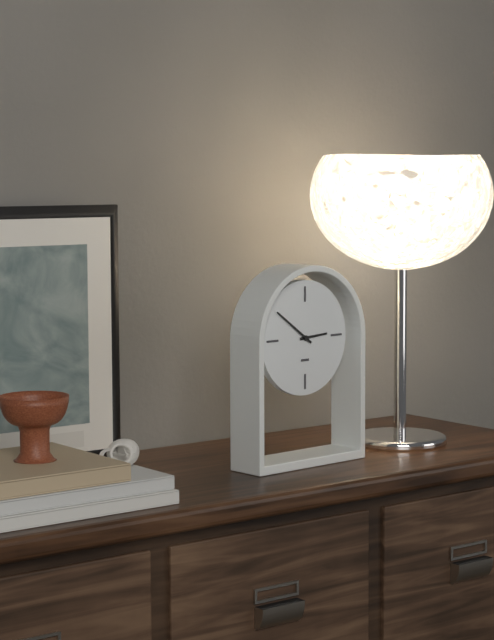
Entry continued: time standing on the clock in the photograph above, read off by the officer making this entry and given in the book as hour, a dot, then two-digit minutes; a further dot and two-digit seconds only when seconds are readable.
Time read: 2.51
